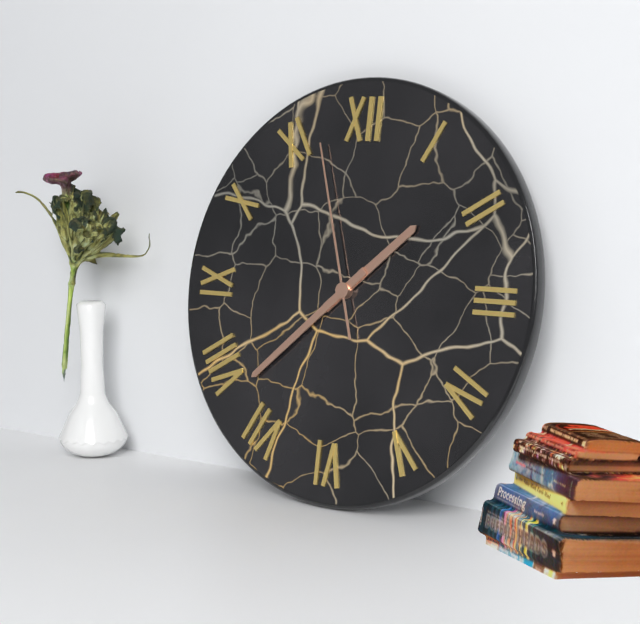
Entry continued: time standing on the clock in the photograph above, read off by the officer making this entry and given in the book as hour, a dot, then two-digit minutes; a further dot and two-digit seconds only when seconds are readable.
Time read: 1.38.57
